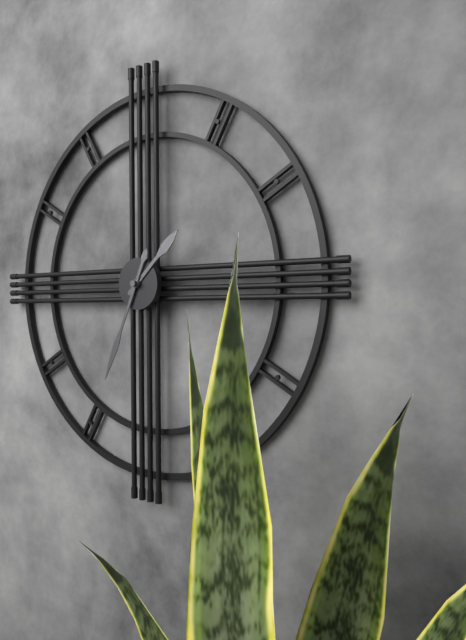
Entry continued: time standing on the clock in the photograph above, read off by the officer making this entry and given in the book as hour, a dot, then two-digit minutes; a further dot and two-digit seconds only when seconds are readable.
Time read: 1.34
